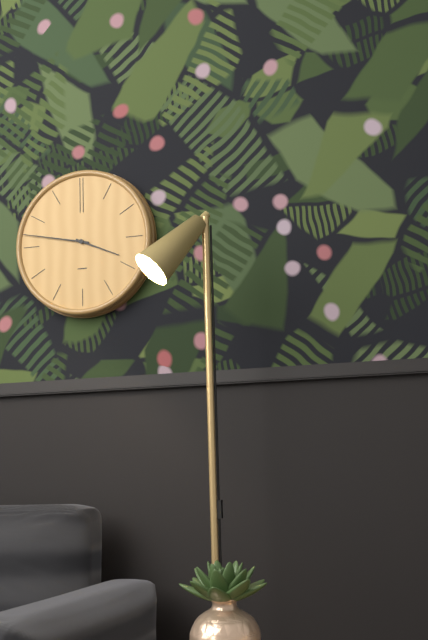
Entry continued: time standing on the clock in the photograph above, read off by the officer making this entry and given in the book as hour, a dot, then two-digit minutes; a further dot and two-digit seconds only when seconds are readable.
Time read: 3.47
